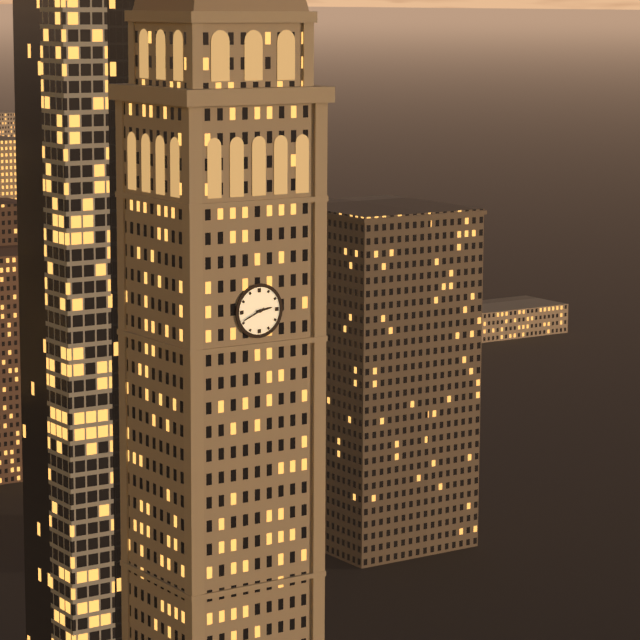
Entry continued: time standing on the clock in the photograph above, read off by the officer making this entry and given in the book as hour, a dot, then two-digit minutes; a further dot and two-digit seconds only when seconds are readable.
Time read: 2.41
